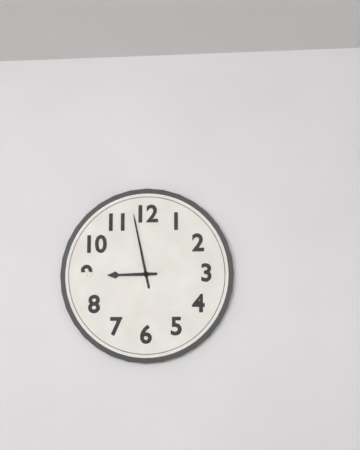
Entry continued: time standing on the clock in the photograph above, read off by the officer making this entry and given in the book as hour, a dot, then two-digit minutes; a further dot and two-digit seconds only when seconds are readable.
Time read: 8.58
